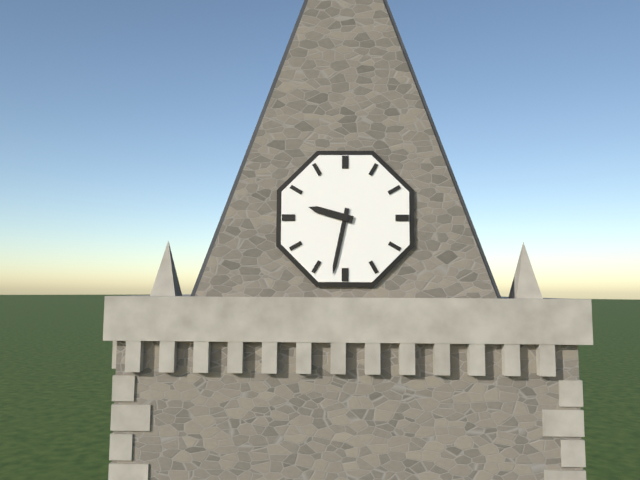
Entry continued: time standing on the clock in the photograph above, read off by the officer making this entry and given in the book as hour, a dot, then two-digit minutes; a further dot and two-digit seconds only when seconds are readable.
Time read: 9.32
